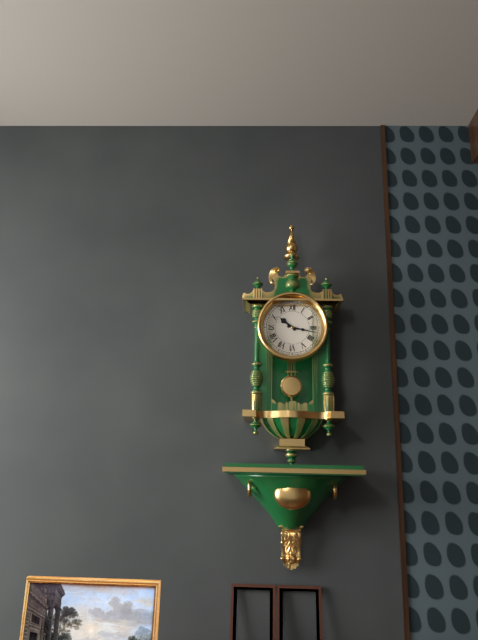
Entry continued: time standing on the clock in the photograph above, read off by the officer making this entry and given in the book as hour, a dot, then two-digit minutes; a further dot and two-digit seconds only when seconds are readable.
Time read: 10.17
